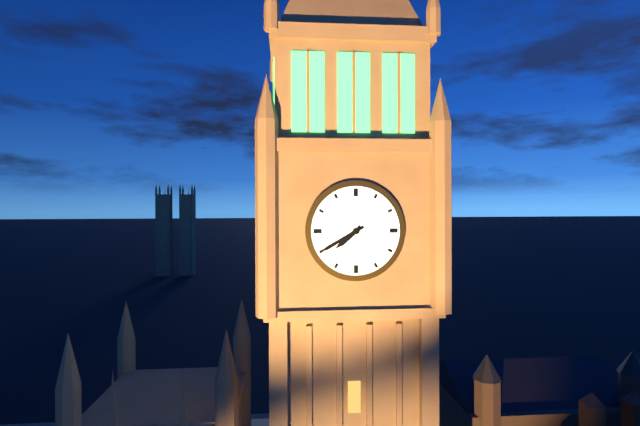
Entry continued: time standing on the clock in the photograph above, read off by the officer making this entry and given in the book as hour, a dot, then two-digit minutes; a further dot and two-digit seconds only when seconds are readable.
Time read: 7.40
